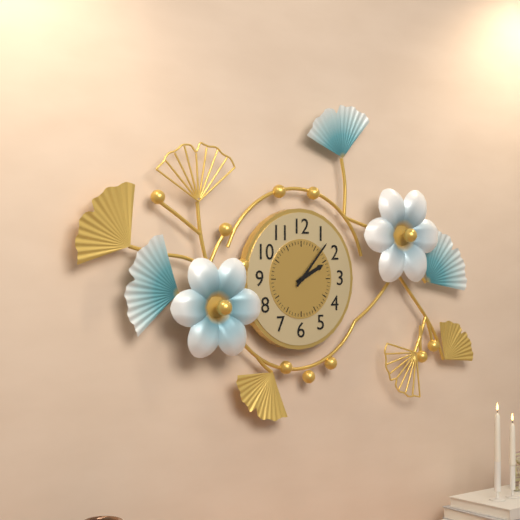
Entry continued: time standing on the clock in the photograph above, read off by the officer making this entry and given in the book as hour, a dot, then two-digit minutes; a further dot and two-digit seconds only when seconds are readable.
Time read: 2.07
